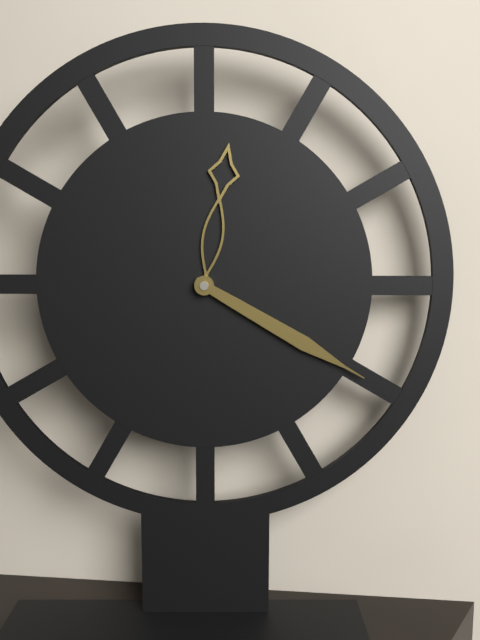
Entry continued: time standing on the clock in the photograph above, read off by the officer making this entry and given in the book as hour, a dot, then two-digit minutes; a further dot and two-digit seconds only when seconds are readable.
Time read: 12.20
